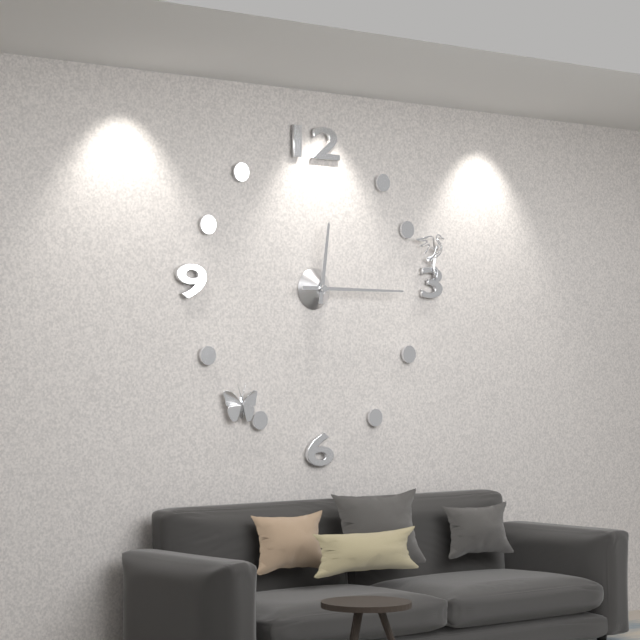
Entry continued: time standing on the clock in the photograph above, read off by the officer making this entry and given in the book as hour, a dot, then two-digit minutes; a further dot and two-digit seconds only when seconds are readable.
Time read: 12.15
